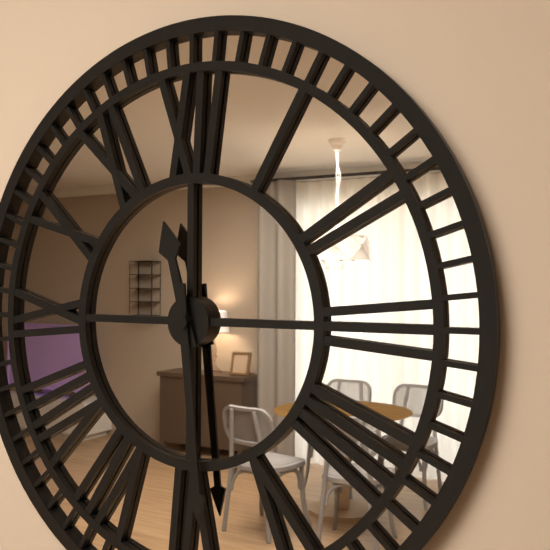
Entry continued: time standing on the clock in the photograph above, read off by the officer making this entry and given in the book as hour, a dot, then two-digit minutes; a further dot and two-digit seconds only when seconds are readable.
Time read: 11.29
